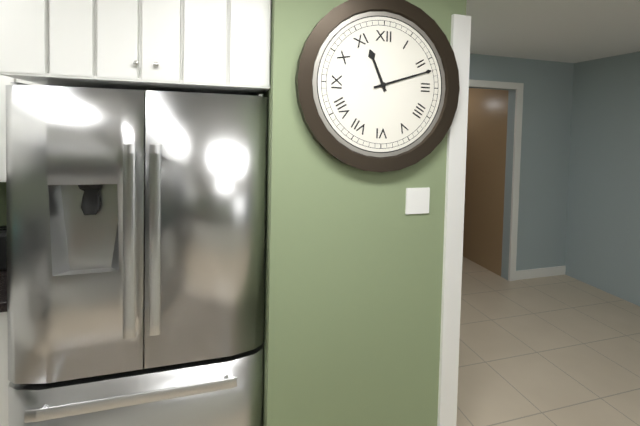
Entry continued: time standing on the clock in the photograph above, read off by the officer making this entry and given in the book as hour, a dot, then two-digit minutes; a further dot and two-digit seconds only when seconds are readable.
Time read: 11.12
